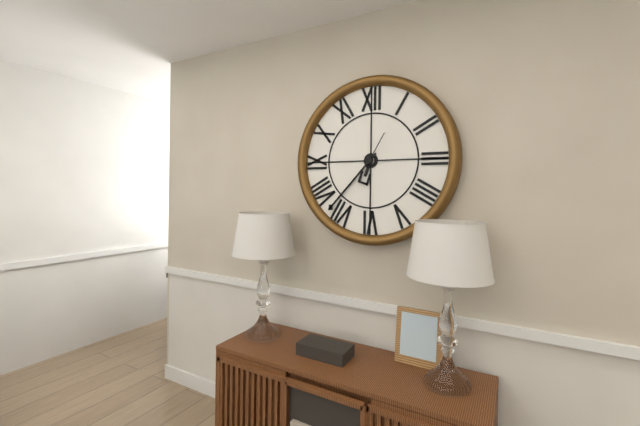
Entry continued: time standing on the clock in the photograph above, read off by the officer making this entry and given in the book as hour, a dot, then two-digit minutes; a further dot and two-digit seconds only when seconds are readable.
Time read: 6.37
